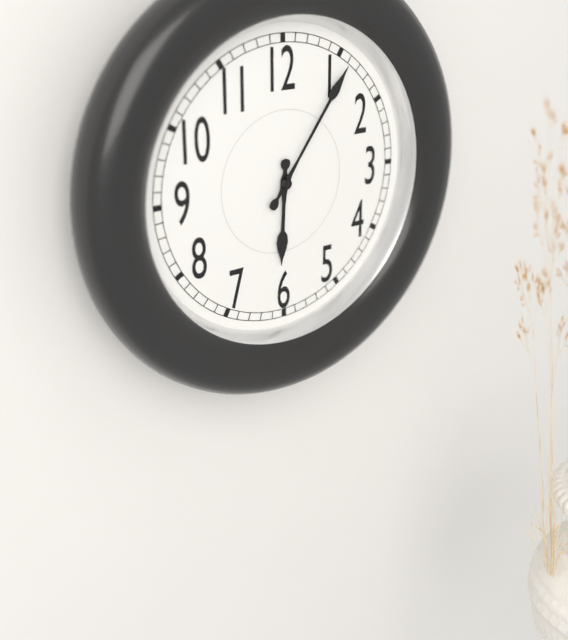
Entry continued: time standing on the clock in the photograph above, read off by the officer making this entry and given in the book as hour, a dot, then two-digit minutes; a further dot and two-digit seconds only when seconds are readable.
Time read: 6.06
